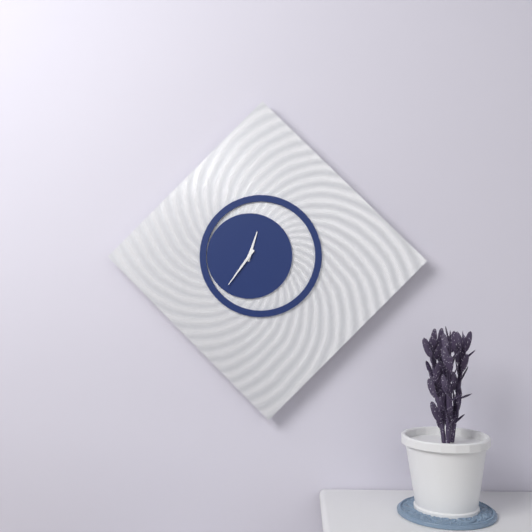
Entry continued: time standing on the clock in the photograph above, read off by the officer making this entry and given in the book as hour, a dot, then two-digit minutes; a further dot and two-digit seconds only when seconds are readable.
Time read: 12.36
